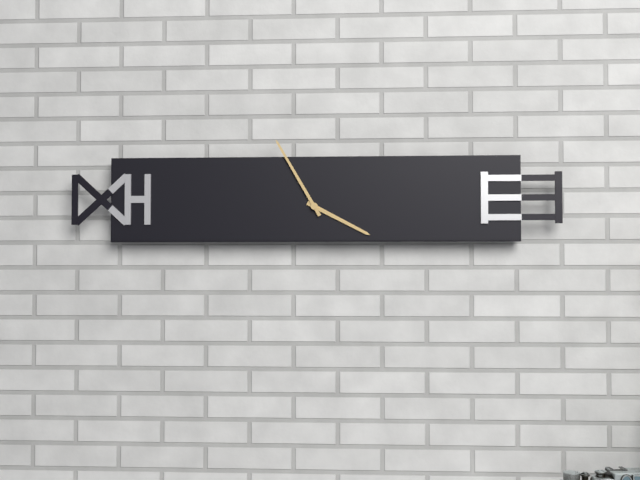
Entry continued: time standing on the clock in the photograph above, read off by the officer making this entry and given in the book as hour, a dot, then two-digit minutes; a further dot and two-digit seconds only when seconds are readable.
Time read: 3.55
